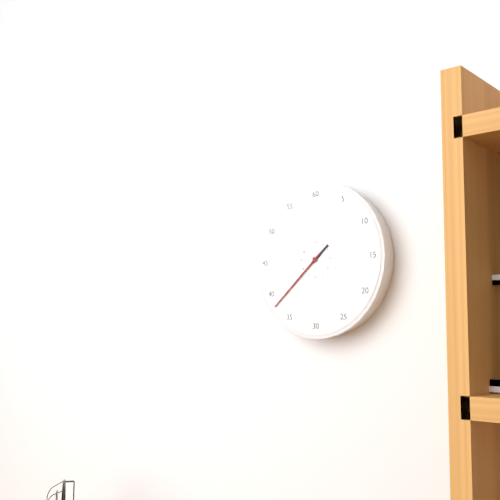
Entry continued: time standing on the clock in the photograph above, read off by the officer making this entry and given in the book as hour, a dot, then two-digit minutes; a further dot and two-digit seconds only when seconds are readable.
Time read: 1.38
